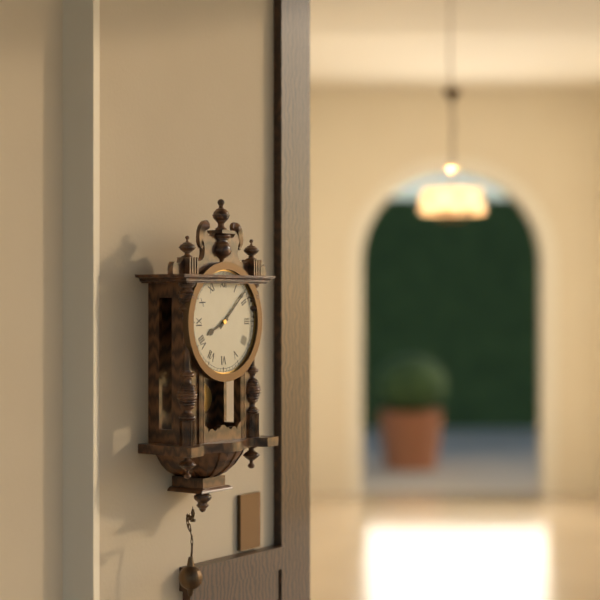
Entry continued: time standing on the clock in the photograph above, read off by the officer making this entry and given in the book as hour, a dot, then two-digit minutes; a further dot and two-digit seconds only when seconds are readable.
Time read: 8.08
